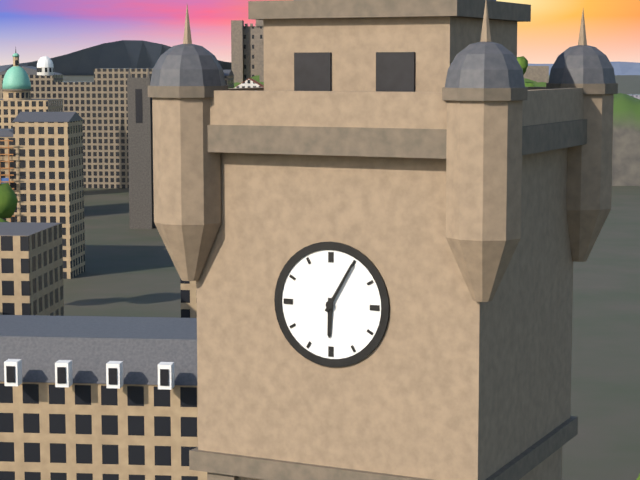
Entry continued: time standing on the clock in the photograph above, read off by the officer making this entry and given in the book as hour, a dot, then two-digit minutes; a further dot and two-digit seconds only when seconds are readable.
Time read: 6.05
